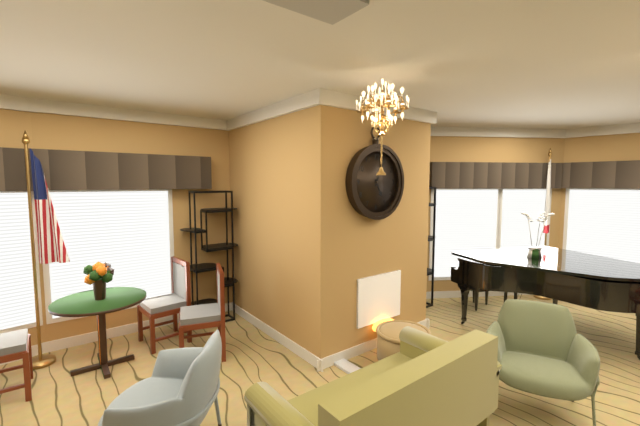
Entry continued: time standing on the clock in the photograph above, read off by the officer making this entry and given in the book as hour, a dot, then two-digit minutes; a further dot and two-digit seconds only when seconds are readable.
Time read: 5.04
